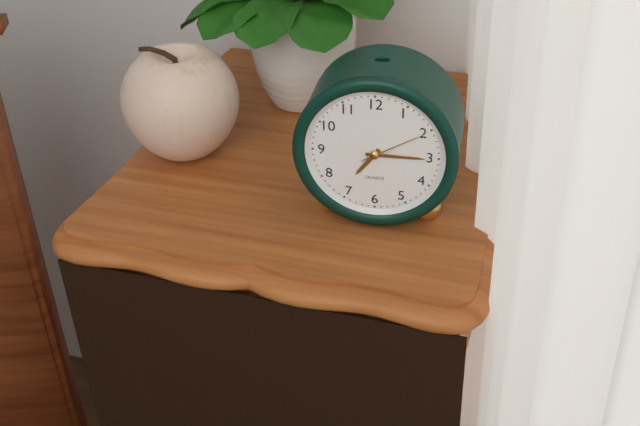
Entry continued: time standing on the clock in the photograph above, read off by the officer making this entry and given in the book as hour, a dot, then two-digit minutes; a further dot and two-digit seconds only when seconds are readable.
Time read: 7.15.10
